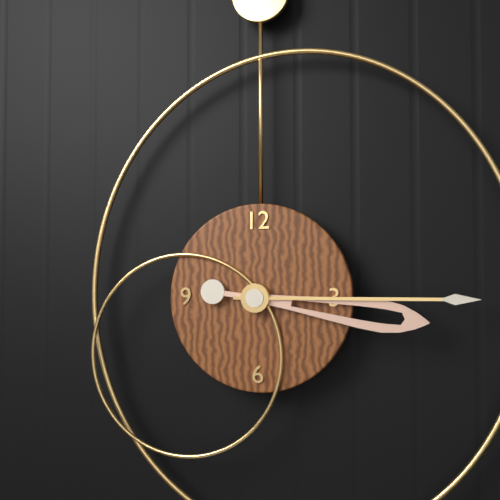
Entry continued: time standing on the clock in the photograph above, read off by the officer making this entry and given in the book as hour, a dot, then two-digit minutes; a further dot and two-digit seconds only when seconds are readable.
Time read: 3.15
